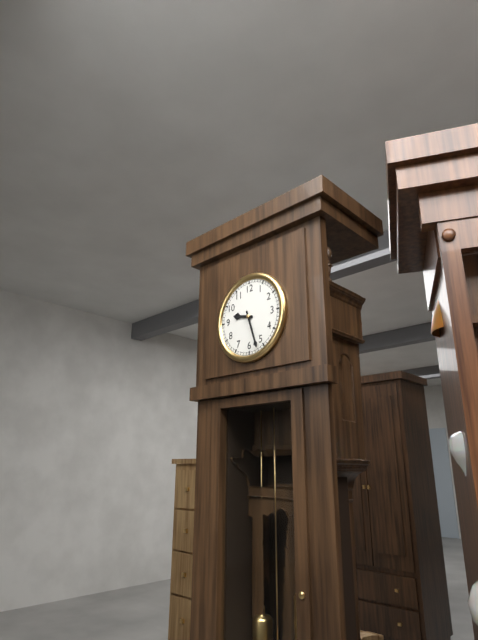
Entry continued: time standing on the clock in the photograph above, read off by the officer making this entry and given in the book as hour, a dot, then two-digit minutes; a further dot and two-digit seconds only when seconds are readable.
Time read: 9.27
